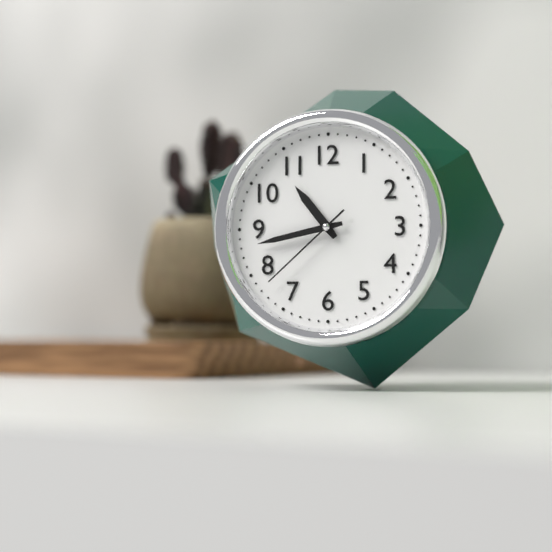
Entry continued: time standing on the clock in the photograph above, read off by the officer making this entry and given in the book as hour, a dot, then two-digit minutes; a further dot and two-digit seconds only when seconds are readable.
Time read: 10.43.38
